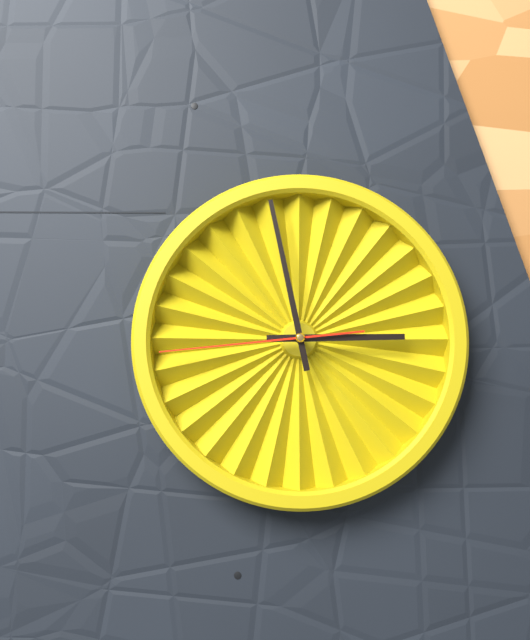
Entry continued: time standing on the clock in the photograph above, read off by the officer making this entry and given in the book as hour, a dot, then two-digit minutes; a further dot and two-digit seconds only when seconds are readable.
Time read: 2.58.44
